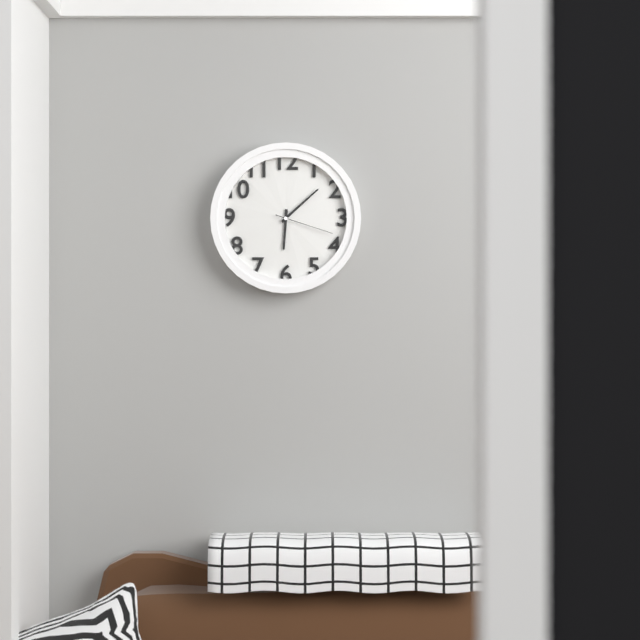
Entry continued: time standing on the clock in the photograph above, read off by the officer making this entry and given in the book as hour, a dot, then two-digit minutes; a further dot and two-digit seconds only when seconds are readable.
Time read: 6.08.18
